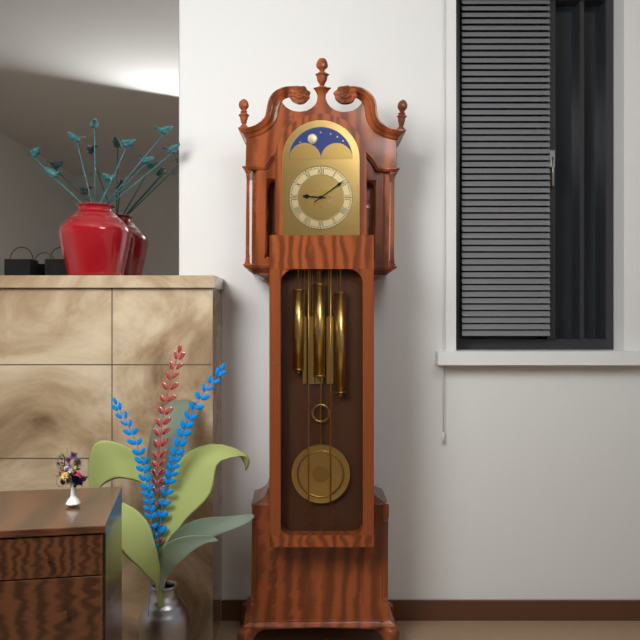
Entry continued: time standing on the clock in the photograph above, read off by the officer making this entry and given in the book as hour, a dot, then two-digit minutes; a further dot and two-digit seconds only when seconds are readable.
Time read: 9.09
